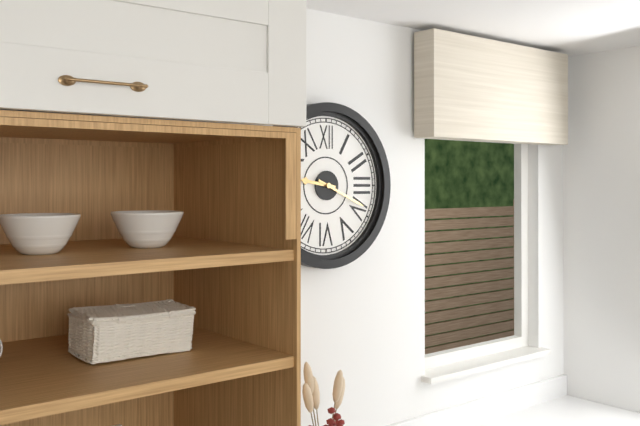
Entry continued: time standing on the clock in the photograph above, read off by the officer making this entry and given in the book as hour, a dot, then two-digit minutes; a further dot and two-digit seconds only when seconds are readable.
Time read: 9.19
